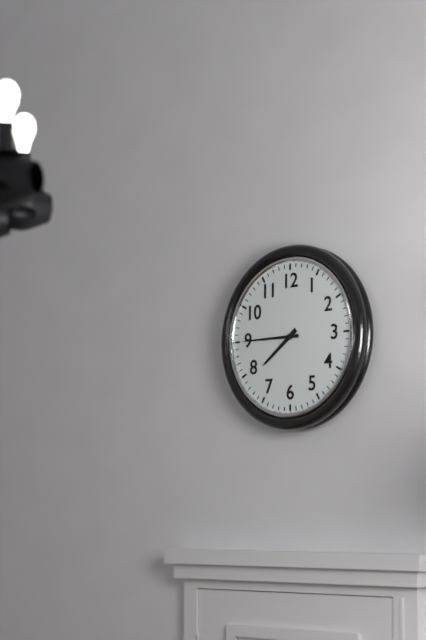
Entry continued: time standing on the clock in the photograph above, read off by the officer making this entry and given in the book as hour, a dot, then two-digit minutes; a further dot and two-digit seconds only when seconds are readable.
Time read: 7.45
